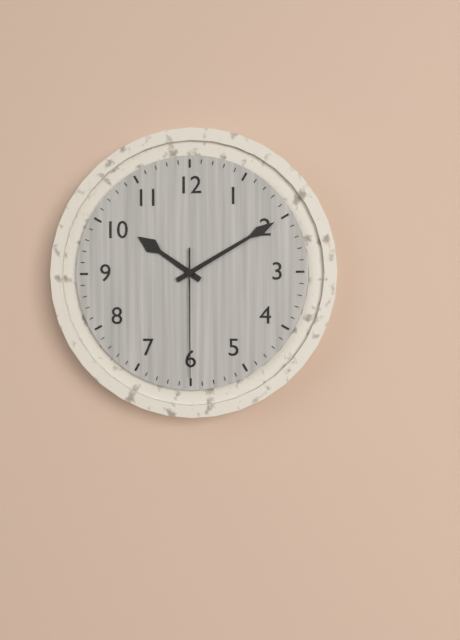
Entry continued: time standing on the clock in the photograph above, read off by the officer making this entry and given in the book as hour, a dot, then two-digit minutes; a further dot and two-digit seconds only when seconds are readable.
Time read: 10.10.30
